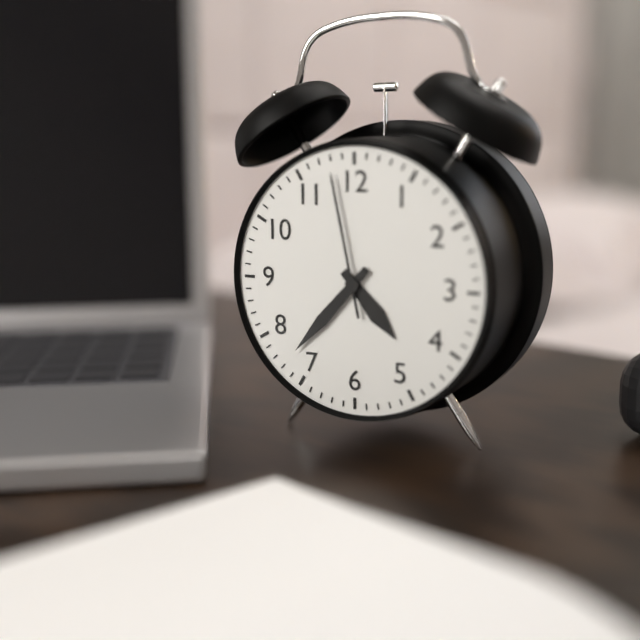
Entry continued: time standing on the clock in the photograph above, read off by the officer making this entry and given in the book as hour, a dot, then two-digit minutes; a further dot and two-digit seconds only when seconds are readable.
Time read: 4.37.58
